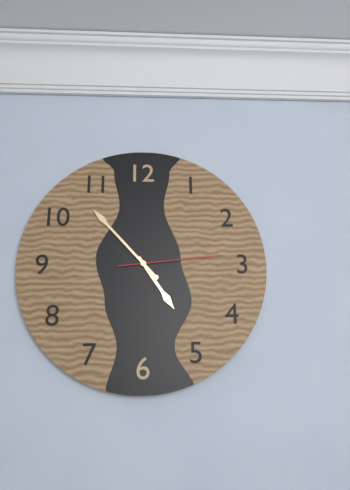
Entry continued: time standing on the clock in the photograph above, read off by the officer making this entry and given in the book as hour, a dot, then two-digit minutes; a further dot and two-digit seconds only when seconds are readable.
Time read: 4.53.14
